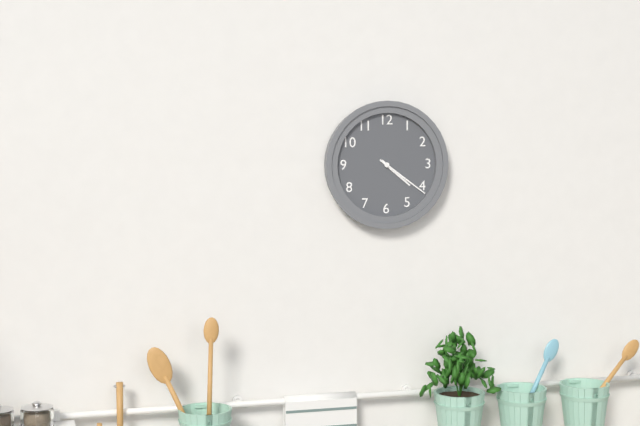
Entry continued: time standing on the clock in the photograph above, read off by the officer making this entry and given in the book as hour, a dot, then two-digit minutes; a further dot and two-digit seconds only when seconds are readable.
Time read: 4.21
